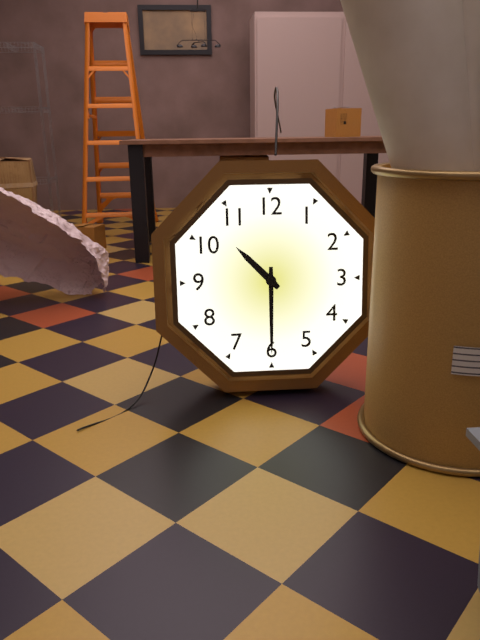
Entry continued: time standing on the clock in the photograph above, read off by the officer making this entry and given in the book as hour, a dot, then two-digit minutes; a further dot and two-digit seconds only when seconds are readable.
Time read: 10.30
